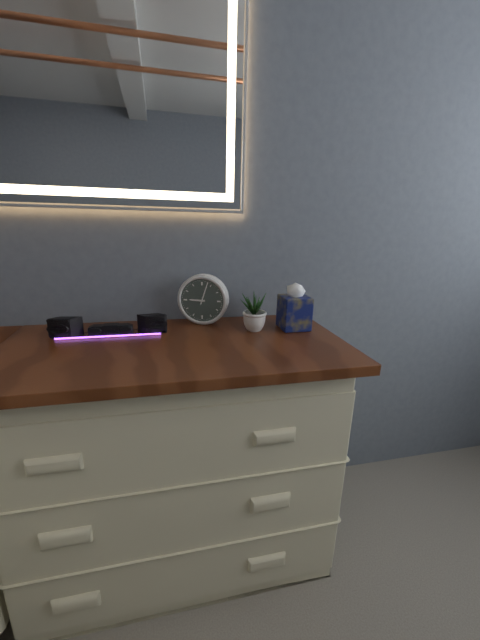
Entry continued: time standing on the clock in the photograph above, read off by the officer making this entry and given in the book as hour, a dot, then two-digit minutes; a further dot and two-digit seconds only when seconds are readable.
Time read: 9.03
